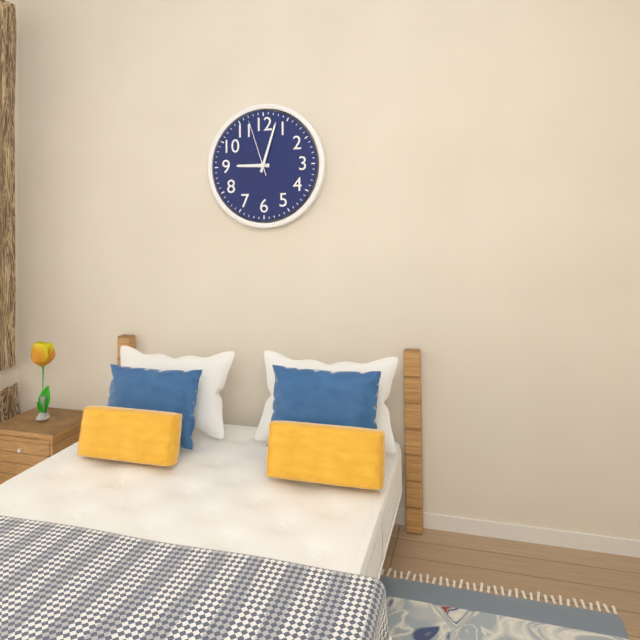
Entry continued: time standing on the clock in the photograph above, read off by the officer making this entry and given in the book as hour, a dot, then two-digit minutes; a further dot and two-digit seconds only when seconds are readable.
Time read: 9.03.57
